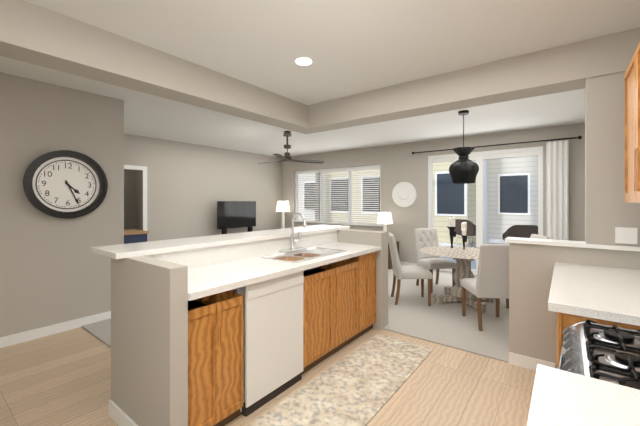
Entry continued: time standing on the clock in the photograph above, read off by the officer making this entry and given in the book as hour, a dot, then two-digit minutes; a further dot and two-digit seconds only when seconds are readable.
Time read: 4.26
